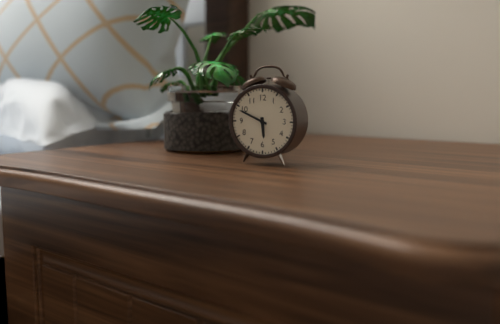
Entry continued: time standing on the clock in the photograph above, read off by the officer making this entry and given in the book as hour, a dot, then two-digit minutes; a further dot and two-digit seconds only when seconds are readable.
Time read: 5.49
